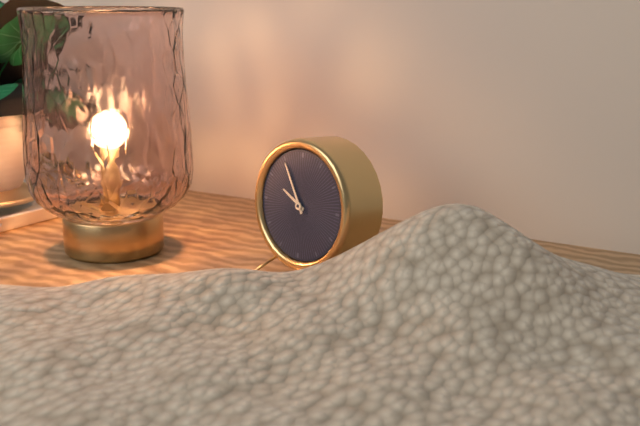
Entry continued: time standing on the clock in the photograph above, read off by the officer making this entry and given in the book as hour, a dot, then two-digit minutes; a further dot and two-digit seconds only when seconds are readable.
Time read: 9.55
